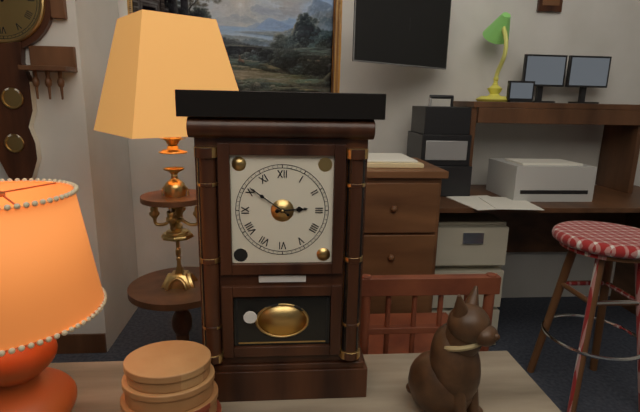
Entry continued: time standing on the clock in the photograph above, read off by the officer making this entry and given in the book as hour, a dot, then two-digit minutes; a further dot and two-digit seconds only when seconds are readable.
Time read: 2.51
